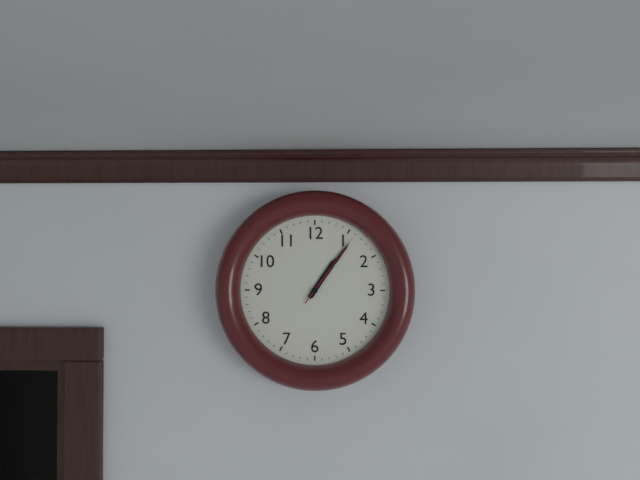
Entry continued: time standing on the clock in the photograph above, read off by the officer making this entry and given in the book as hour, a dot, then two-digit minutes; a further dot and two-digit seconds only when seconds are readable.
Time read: 1.06.06
